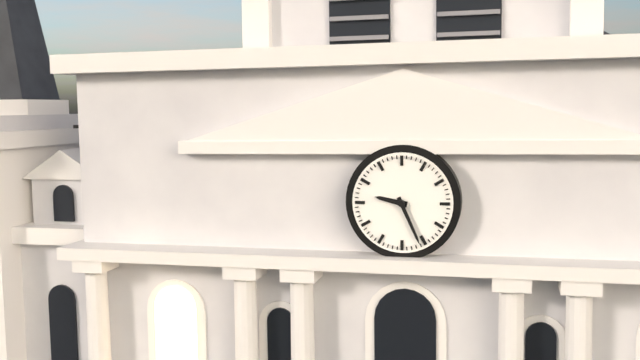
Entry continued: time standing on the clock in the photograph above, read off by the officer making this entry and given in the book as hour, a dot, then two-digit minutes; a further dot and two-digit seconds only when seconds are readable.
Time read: 9.26
